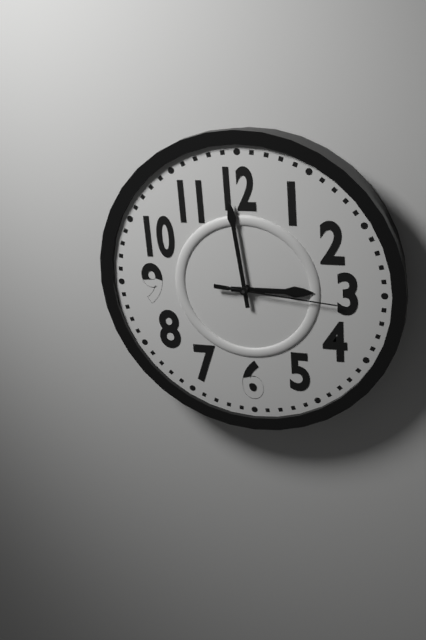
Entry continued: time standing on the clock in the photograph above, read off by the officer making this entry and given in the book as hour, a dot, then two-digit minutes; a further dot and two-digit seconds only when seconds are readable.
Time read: 2.59.16
